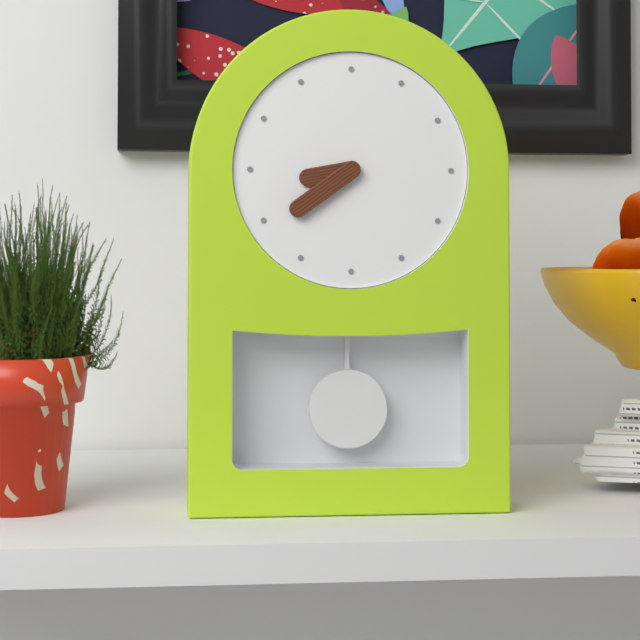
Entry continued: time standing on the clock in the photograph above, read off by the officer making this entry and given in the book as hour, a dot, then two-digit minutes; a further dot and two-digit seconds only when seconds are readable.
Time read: 8.39
